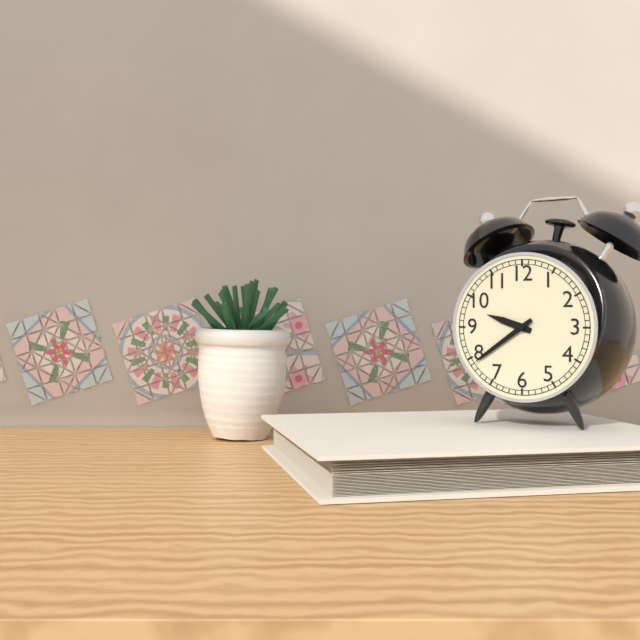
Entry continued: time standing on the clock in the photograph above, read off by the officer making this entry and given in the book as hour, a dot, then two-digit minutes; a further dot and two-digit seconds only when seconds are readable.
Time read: 9.39
